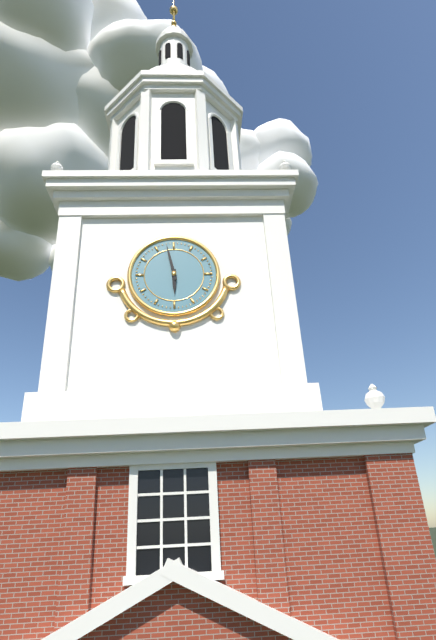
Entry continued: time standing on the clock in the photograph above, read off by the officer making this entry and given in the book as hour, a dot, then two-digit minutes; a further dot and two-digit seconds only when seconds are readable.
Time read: 5.58
